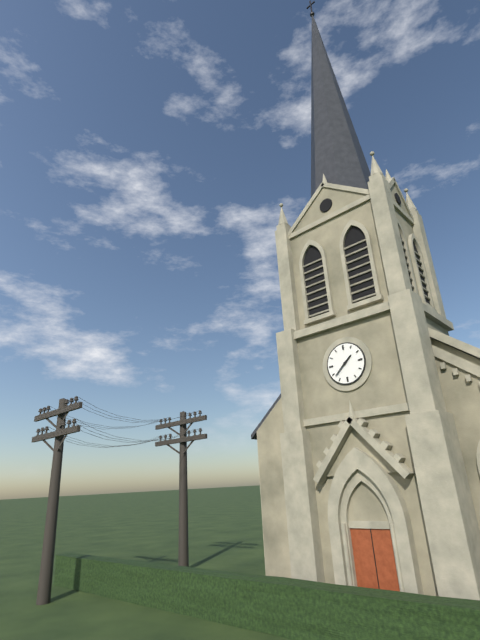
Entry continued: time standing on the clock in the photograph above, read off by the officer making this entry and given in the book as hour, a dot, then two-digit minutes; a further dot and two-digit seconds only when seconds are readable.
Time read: 1.38
